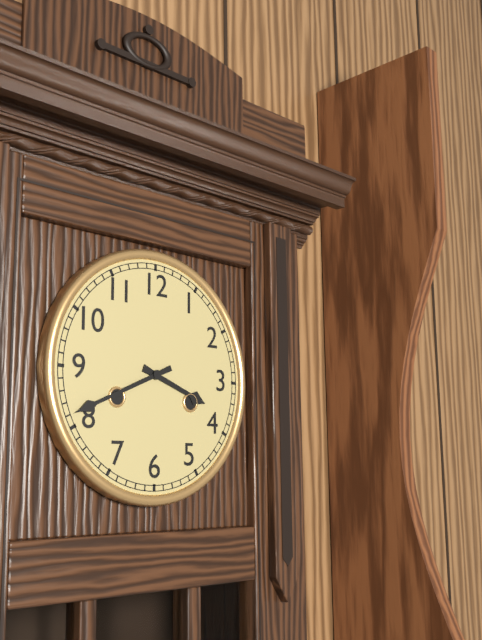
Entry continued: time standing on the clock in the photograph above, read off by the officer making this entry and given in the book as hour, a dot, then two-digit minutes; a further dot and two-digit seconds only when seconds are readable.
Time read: 3.41
